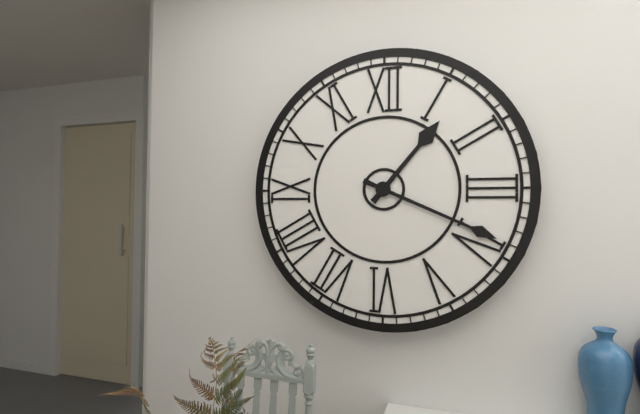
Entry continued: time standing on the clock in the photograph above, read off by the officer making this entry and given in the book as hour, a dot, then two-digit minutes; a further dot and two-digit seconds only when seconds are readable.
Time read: 1.19
